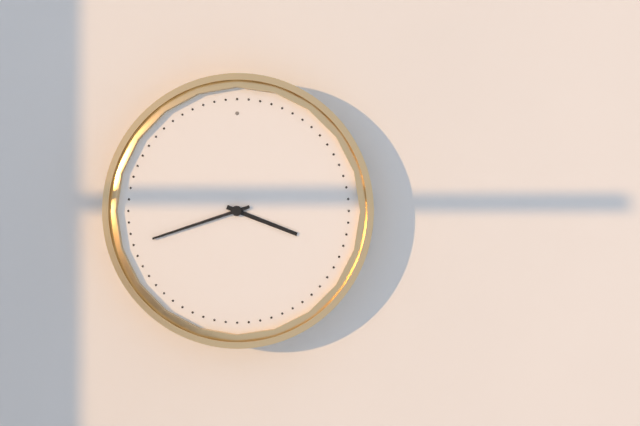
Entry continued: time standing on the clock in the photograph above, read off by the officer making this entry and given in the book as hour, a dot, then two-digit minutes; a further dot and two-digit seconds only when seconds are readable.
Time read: 3.42
